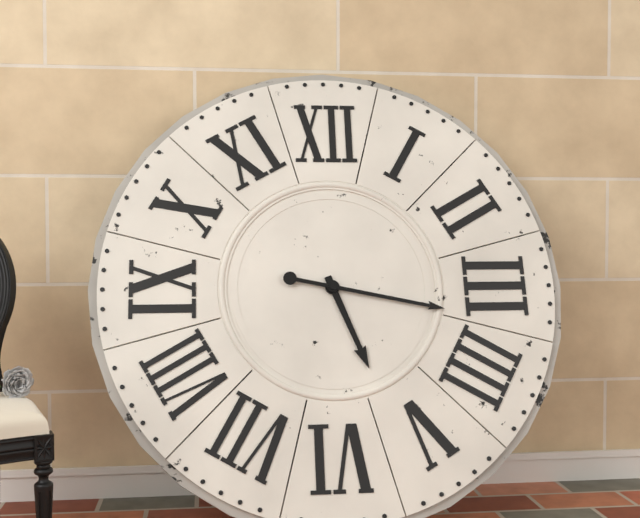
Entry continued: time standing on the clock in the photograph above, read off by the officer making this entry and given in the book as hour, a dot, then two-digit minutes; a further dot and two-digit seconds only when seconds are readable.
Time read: 5.17
